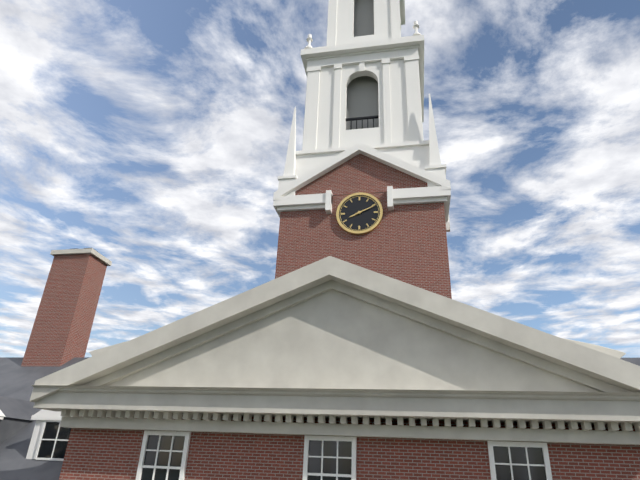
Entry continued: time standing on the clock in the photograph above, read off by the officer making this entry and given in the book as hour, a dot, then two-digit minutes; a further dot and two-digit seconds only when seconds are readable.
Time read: 8.11
